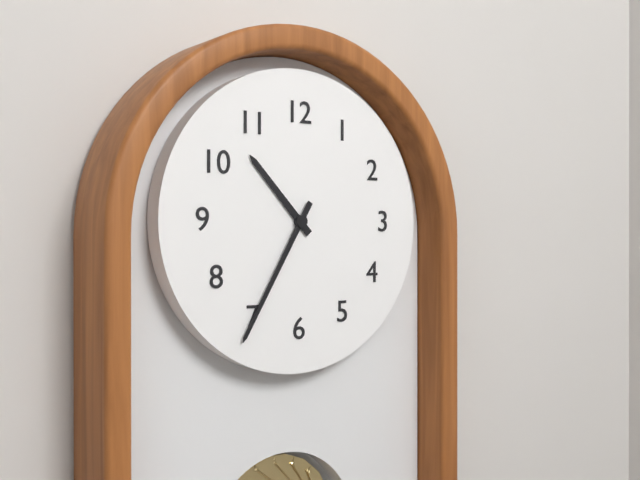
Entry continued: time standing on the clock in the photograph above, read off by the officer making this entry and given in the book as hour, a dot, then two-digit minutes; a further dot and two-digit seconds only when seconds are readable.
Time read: 10.35
